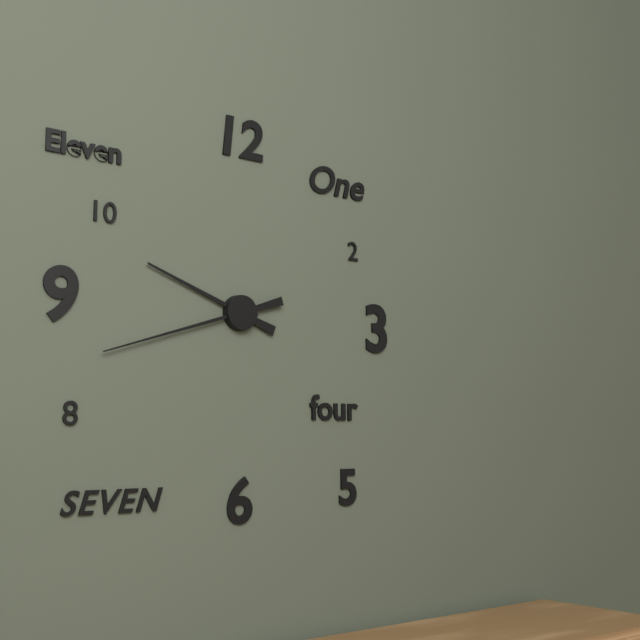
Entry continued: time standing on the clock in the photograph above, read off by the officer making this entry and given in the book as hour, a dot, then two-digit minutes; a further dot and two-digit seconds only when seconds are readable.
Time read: 9.42
